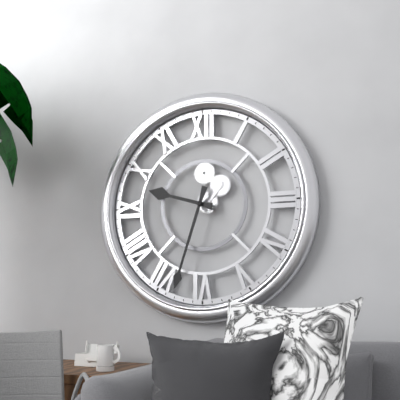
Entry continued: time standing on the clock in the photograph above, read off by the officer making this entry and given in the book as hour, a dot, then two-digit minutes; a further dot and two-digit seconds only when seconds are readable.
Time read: 9.33
